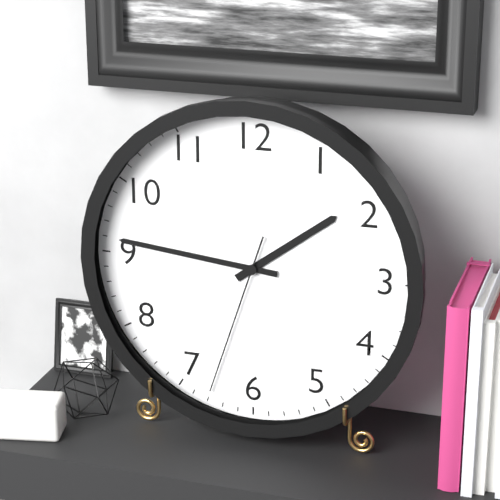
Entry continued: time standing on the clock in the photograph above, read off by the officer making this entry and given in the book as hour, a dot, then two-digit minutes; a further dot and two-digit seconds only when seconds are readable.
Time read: 1.46.33
